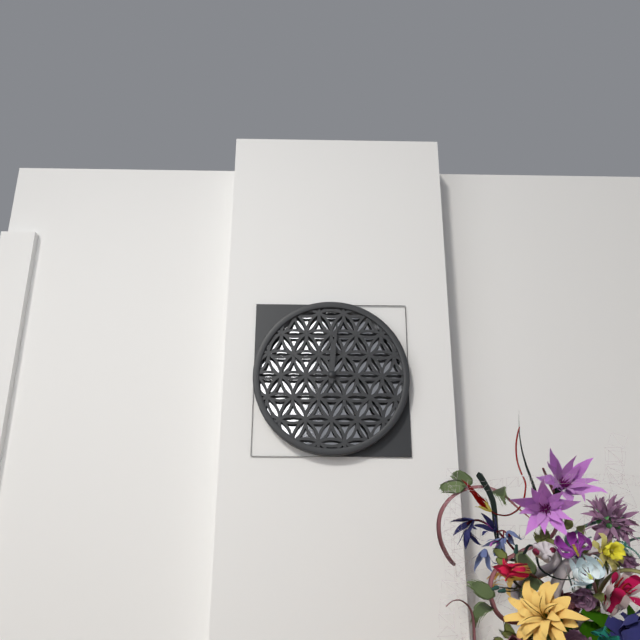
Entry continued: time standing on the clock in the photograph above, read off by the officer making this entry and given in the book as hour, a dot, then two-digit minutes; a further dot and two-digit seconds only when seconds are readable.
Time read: 12.01
